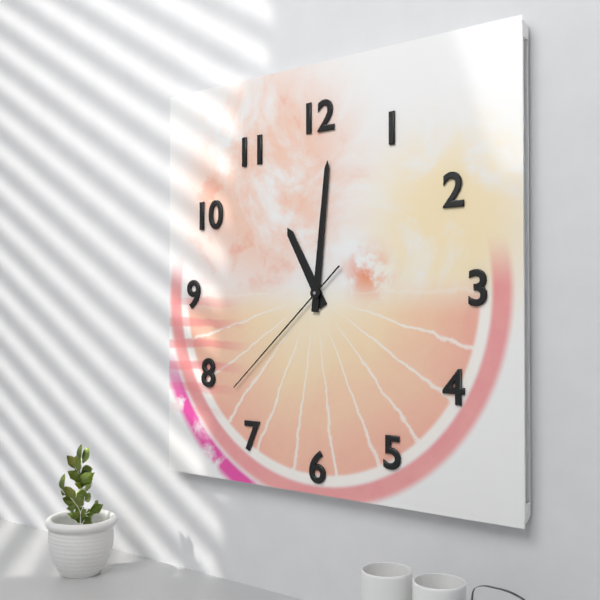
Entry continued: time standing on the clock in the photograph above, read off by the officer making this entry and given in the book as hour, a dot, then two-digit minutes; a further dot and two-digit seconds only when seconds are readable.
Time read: 11.01.38
